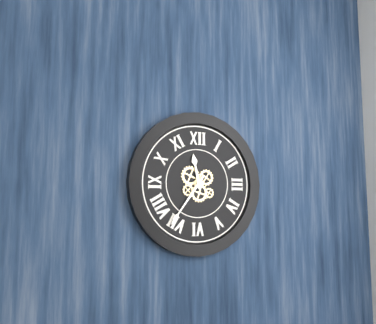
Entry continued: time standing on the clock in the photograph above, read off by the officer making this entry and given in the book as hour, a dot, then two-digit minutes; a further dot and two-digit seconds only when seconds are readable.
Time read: 11.36
